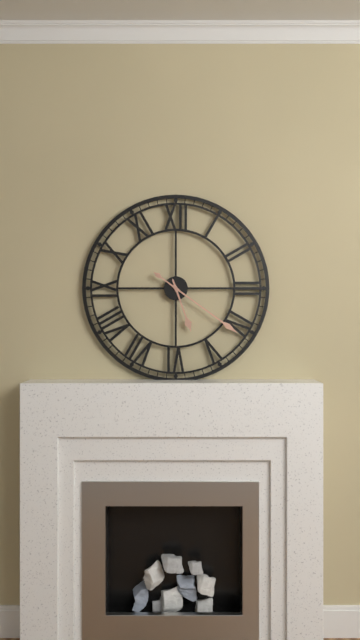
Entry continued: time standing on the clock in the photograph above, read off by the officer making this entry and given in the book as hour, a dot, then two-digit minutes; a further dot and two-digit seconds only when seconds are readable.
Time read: 5.21
